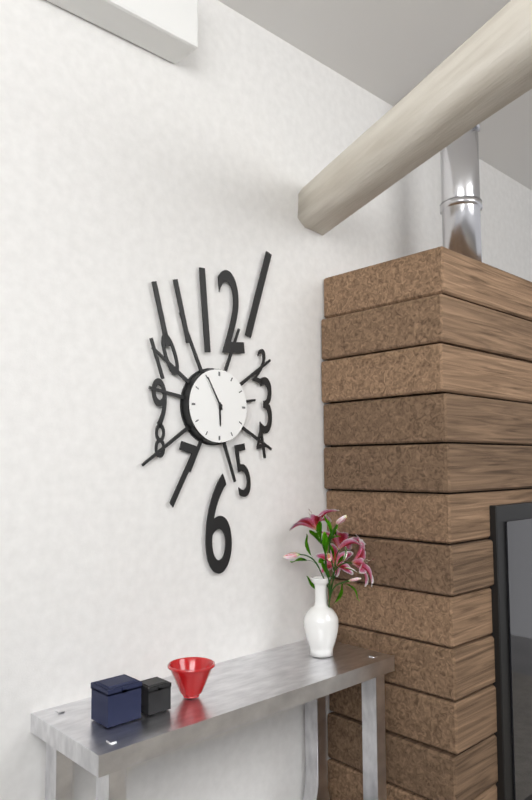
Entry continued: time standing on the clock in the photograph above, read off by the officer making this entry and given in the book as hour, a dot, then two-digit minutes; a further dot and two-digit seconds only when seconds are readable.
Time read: 5.55
